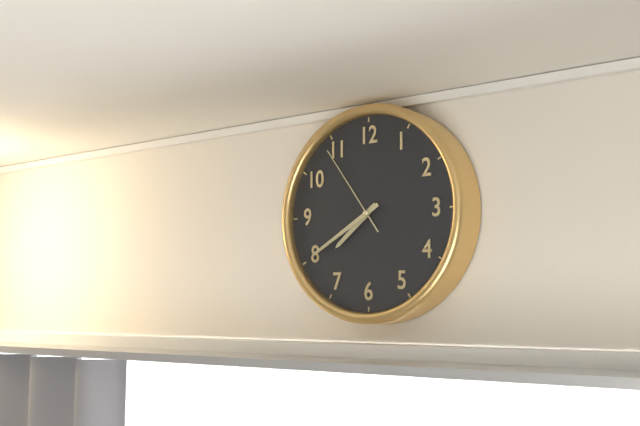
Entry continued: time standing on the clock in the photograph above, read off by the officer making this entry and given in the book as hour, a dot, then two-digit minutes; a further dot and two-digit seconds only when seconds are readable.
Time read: 7.40.54
